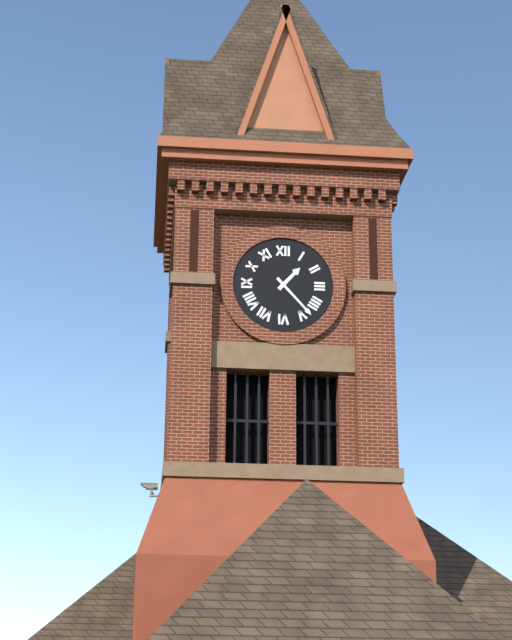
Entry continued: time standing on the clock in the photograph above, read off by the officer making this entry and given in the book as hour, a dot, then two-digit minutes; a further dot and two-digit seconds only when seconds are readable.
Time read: 1.23
